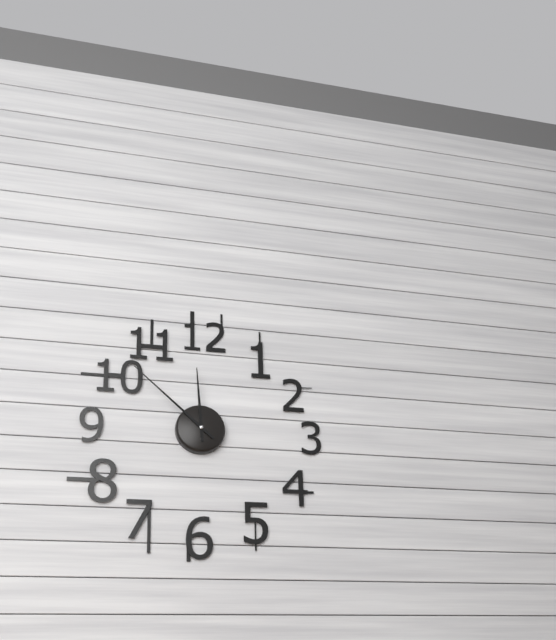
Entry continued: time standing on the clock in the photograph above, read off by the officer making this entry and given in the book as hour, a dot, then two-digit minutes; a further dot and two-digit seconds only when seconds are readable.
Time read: 11.52
